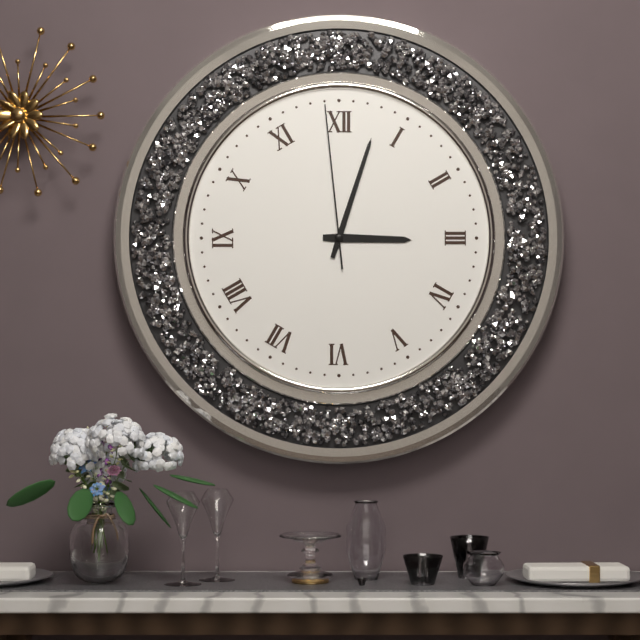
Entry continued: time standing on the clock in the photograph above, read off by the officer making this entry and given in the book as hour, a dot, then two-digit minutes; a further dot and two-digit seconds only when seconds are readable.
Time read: 3.03.59
